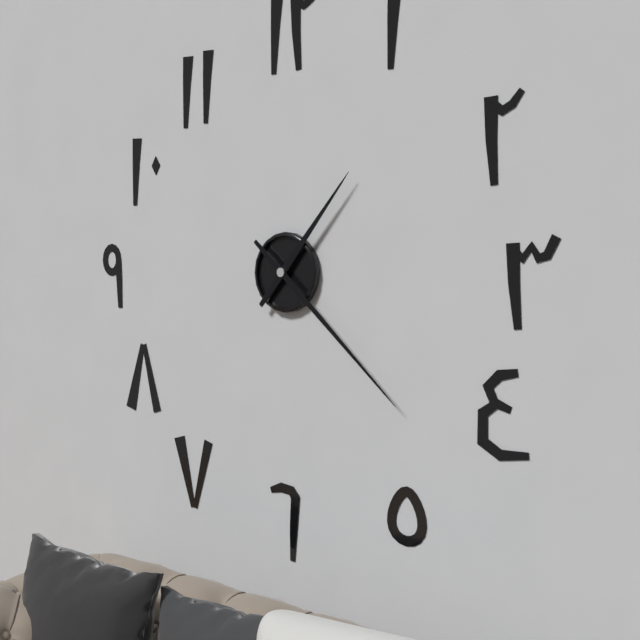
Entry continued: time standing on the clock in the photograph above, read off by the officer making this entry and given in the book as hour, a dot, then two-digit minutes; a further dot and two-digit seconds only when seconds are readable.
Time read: 1.22
